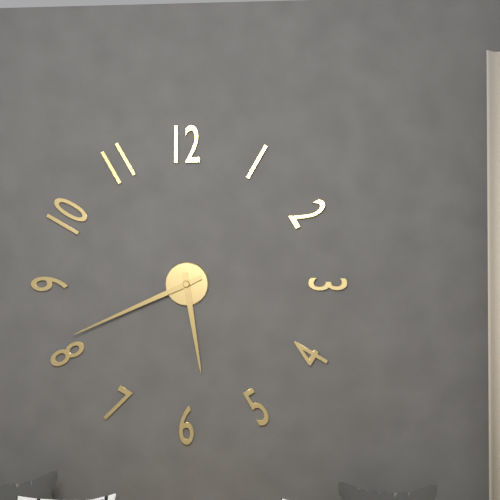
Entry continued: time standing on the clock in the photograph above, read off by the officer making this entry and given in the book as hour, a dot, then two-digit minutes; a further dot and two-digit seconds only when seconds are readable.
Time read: 5.41
